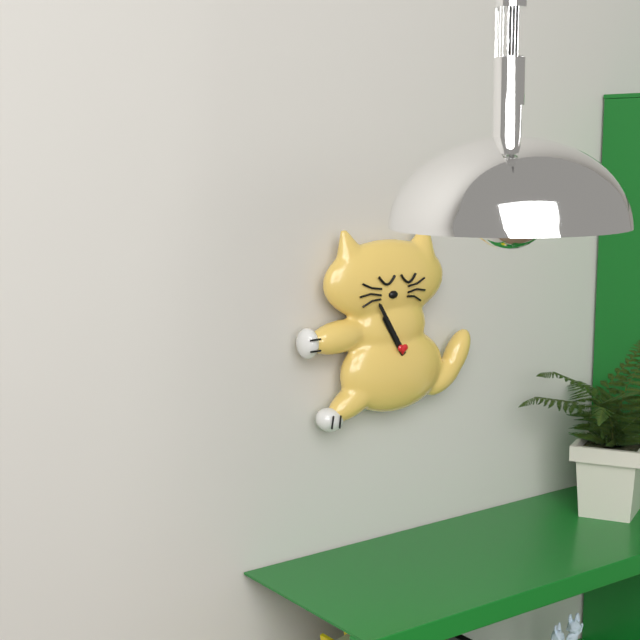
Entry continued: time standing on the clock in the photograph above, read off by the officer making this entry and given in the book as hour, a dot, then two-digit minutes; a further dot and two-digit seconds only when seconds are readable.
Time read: 10.55
